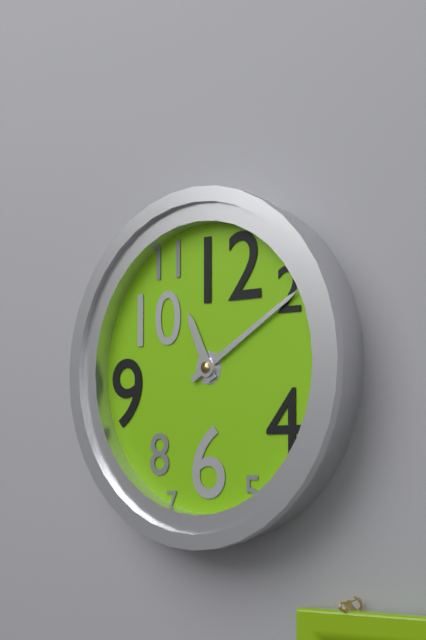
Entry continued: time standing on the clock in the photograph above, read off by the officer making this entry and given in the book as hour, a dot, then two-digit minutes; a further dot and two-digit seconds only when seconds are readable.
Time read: 11.10
